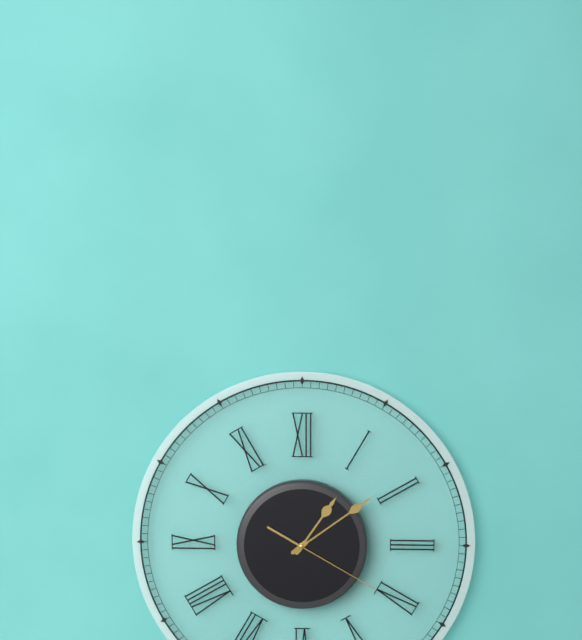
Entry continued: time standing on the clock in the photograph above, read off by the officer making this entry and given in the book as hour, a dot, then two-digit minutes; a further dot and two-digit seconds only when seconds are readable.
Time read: 1.09.20
